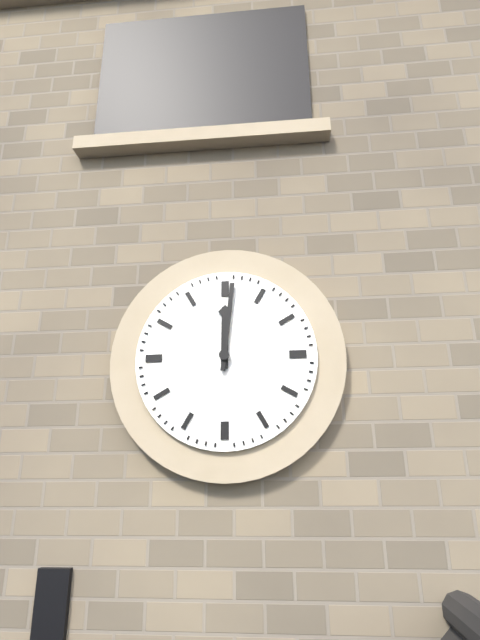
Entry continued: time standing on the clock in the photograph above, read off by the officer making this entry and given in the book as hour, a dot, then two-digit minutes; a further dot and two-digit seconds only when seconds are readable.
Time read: 12.01
